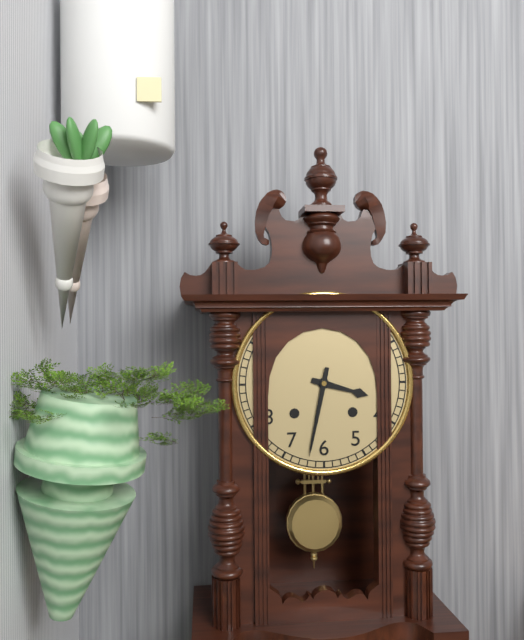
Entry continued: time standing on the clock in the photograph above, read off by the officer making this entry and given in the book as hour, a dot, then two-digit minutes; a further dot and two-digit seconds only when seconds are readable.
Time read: 3.32
